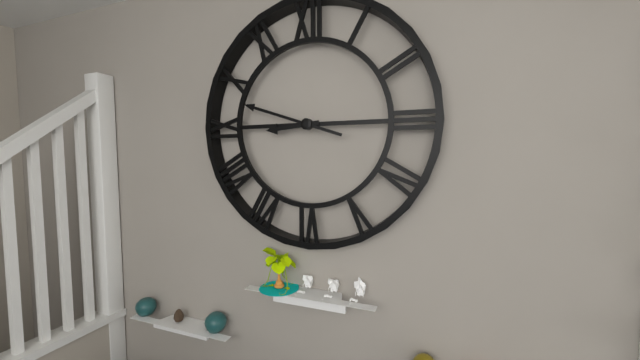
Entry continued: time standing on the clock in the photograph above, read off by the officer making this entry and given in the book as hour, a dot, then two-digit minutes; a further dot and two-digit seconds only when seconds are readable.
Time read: 8.48
